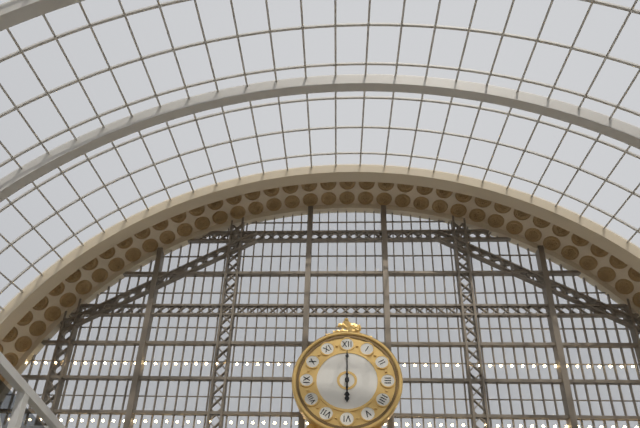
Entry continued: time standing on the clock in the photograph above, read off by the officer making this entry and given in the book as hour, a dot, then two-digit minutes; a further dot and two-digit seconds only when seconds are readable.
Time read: 6.00
